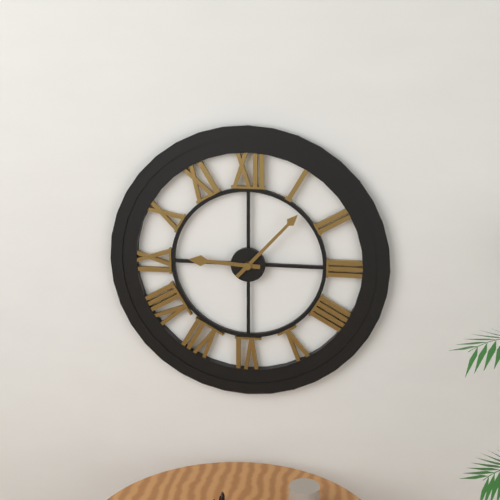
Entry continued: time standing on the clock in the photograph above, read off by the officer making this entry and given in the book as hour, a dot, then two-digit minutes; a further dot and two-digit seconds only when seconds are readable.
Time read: 9.07
